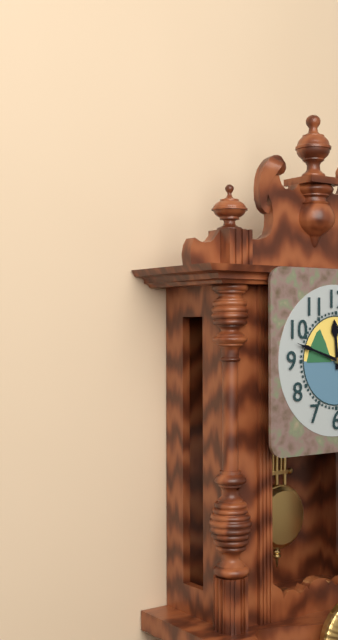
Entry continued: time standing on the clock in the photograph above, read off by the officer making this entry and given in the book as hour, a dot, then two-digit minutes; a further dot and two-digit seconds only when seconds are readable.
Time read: 11.48
